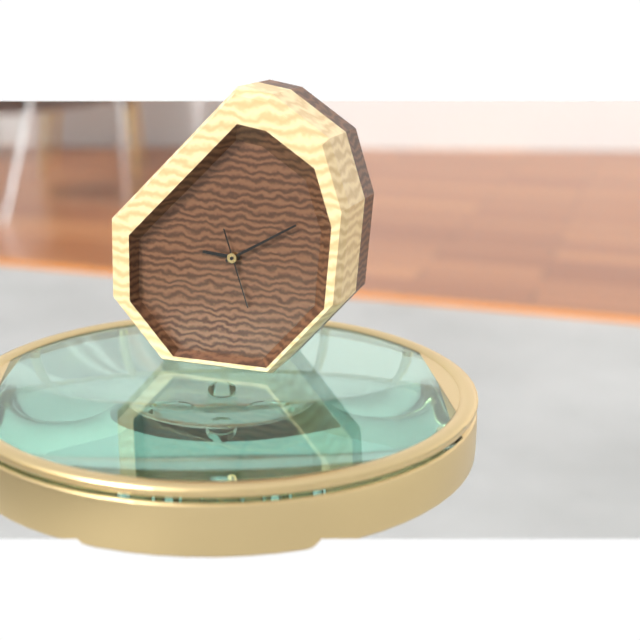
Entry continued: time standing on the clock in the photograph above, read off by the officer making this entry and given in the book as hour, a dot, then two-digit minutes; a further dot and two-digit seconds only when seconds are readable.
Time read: 9.10.27
